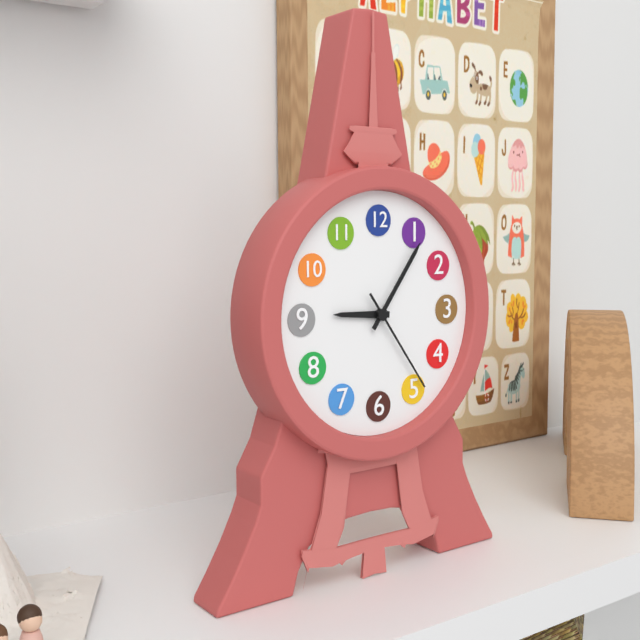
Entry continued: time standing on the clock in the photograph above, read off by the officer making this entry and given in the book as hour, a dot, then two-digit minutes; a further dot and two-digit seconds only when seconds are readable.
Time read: 9.06.24
